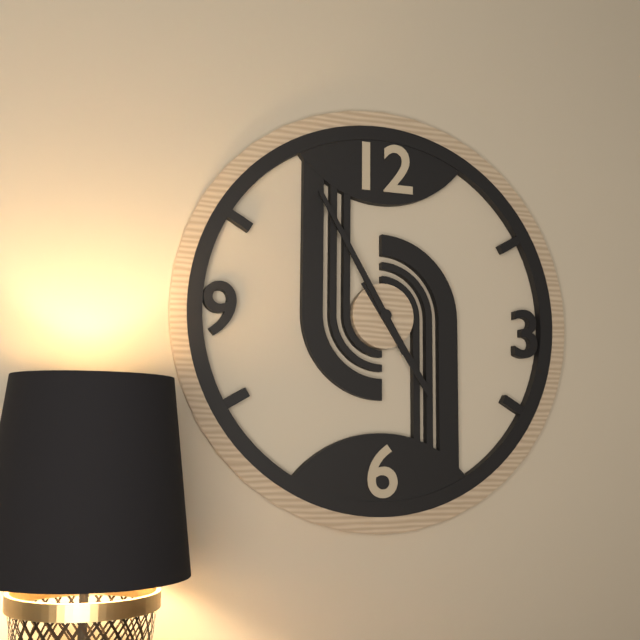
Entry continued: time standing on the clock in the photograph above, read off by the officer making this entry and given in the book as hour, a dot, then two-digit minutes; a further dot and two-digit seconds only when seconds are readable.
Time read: 4.55
